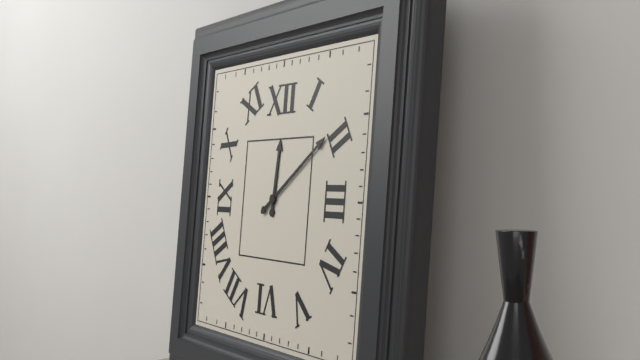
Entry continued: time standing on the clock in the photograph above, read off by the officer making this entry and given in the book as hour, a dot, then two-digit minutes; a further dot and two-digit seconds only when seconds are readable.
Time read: 12.09
